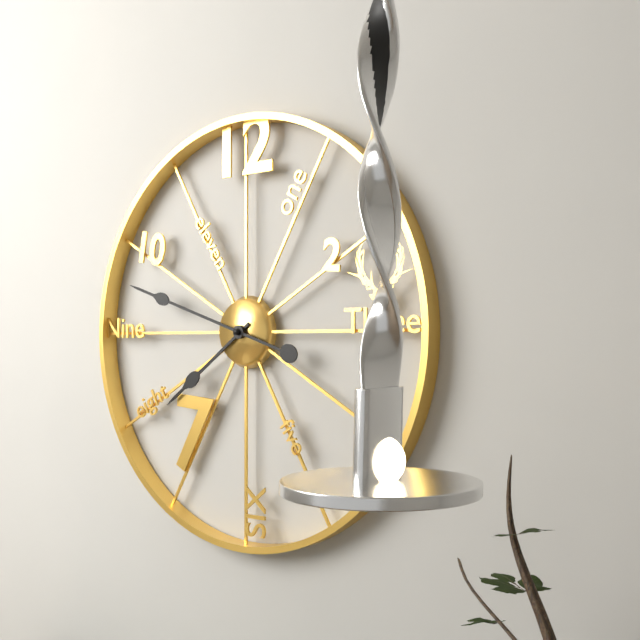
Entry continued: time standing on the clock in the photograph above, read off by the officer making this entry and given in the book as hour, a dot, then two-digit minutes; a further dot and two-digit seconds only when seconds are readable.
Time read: 7.48
